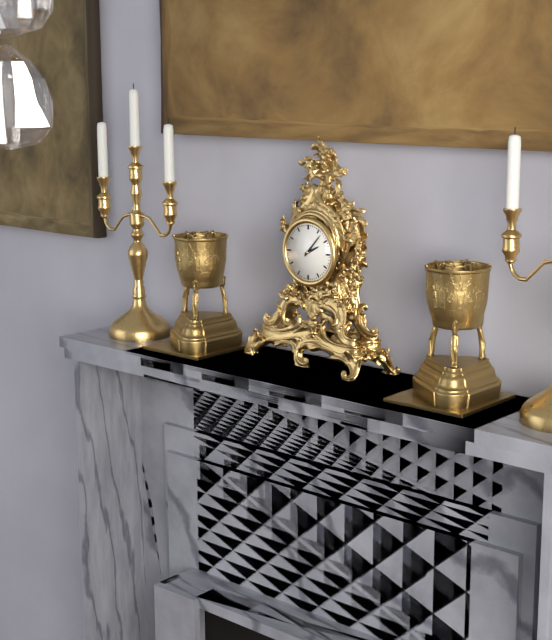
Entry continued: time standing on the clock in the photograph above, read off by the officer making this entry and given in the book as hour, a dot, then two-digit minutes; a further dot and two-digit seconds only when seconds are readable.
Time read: 2.07
